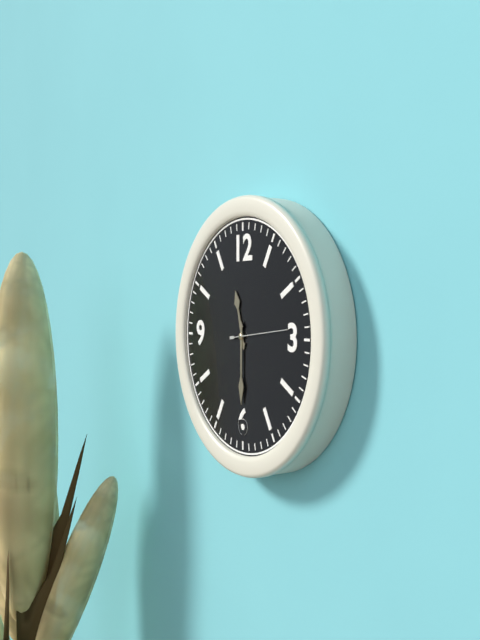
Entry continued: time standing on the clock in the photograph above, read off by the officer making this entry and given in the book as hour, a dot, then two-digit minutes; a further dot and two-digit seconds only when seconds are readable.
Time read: 11.30.14
